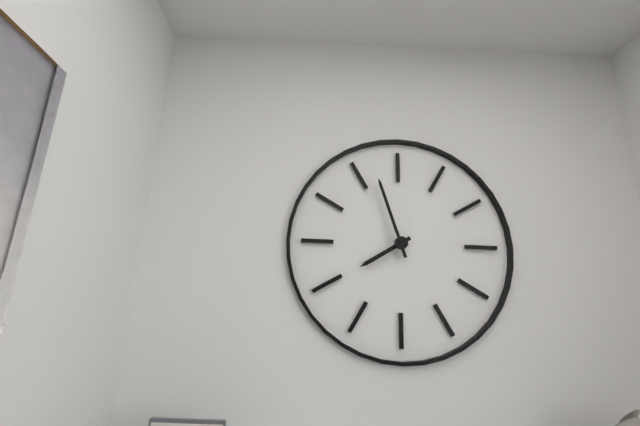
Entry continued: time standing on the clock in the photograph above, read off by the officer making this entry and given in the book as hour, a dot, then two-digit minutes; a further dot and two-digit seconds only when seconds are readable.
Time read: 7.57
